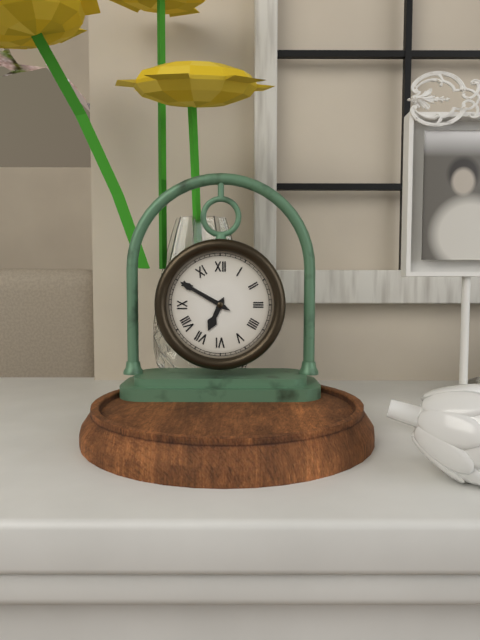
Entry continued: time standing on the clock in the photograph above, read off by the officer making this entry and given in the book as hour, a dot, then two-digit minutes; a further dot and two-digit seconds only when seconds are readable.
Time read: 6.50
